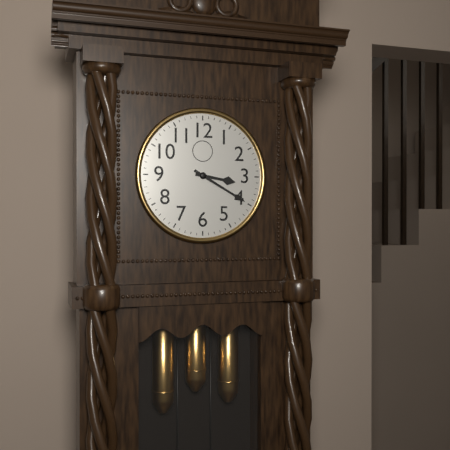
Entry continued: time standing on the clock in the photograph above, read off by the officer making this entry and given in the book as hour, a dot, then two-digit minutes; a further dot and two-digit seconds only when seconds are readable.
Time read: 3.20
